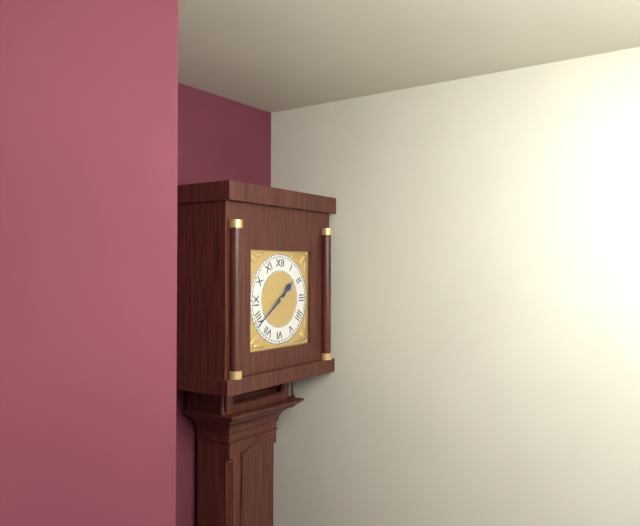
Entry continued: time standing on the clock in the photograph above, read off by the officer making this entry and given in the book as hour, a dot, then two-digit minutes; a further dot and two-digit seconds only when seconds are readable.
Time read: 1.39
